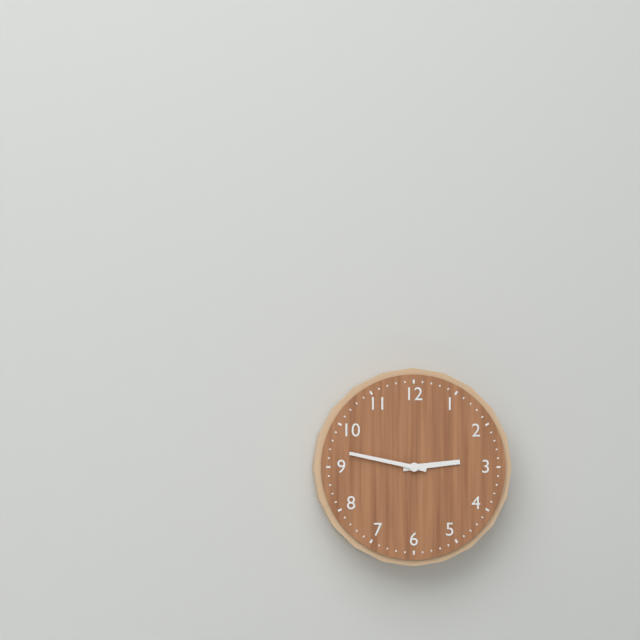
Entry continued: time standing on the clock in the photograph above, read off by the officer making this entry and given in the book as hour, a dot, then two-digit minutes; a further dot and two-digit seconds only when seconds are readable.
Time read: 2.47
